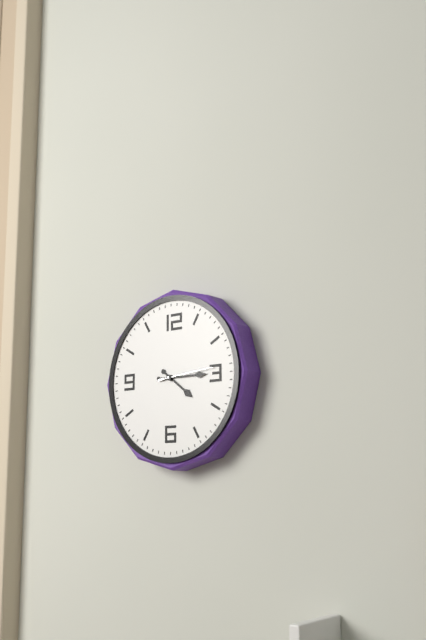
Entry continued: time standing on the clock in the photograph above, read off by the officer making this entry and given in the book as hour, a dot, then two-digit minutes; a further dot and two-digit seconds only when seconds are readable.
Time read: 4.15.14
